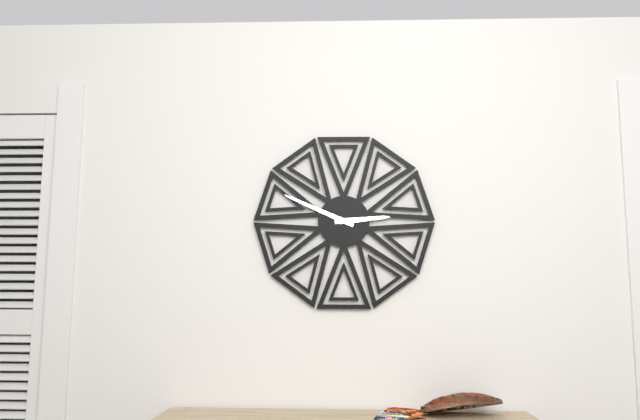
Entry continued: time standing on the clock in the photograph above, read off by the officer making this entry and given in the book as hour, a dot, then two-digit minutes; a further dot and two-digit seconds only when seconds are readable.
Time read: 2.49
